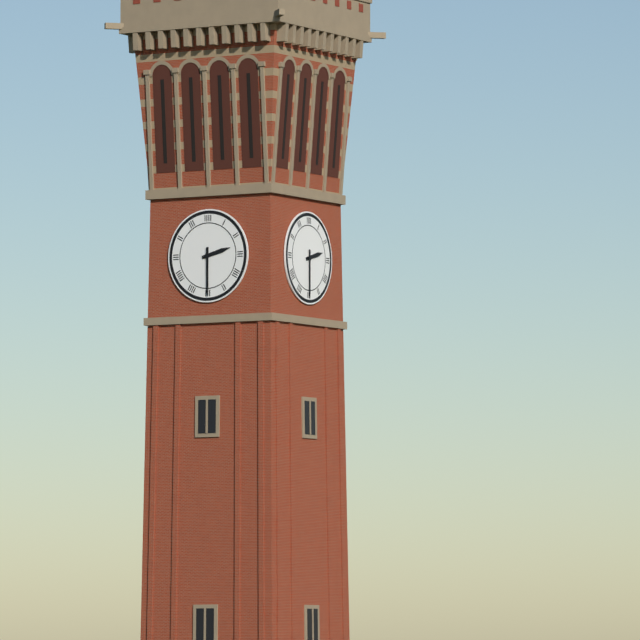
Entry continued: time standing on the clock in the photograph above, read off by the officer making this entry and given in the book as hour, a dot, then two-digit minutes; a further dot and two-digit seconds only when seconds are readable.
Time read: 2.30
